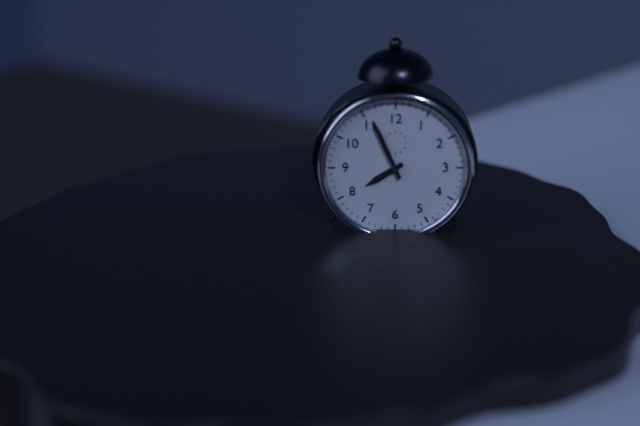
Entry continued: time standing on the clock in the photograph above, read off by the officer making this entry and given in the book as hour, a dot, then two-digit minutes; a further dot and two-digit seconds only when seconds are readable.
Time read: 7.56
